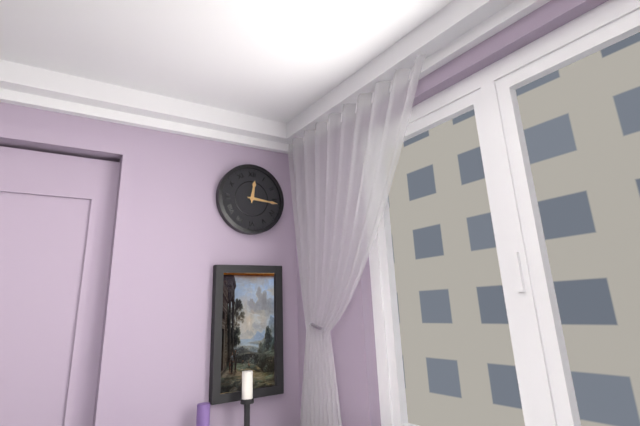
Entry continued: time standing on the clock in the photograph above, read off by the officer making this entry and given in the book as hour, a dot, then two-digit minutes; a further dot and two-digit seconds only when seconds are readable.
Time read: 12.16
